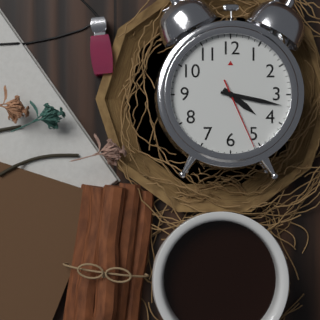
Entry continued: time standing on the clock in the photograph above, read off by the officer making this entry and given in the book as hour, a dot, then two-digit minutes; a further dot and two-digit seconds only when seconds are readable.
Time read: 4.17.26
